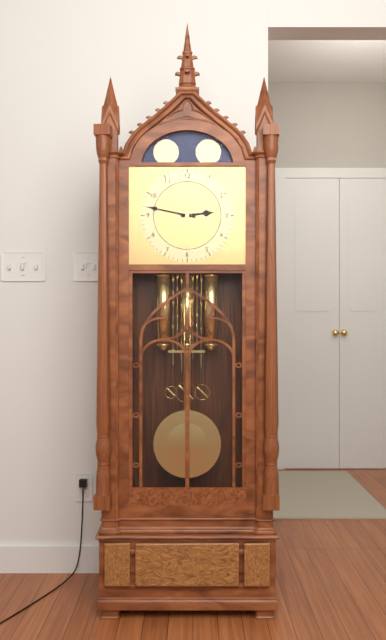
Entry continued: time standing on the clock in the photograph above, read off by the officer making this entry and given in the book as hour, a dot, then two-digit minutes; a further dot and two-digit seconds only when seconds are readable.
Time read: 2.47
